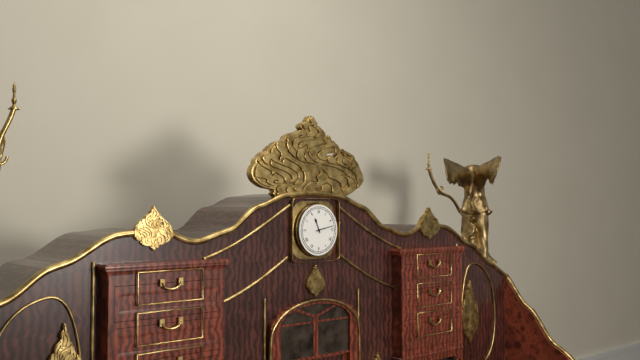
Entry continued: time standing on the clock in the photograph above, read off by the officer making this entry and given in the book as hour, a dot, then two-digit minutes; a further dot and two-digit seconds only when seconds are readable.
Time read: 11.13
